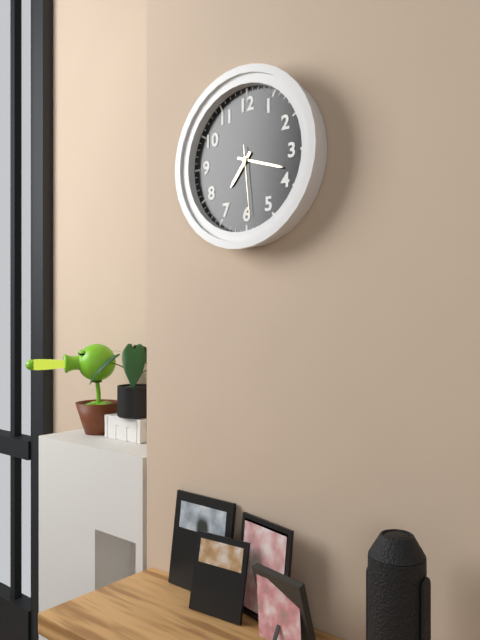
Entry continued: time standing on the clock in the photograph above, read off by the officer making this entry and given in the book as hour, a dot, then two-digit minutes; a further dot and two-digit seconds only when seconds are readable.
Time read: 7.18.29
